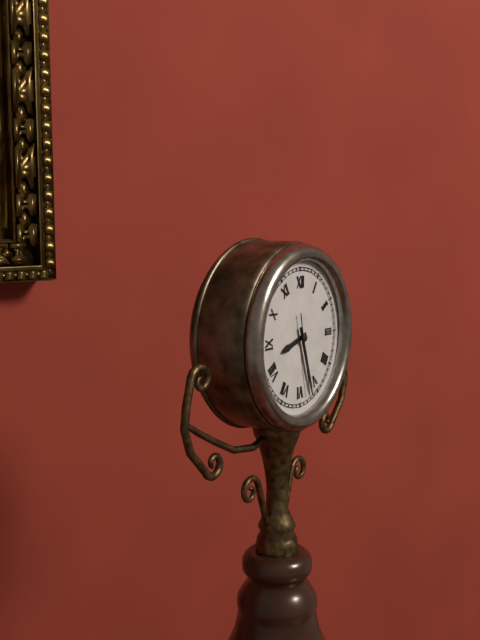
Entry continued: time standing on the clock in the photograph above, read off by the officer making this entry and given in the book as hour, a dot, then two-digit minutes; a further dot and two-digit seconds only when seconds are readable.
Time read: 8.27.28
